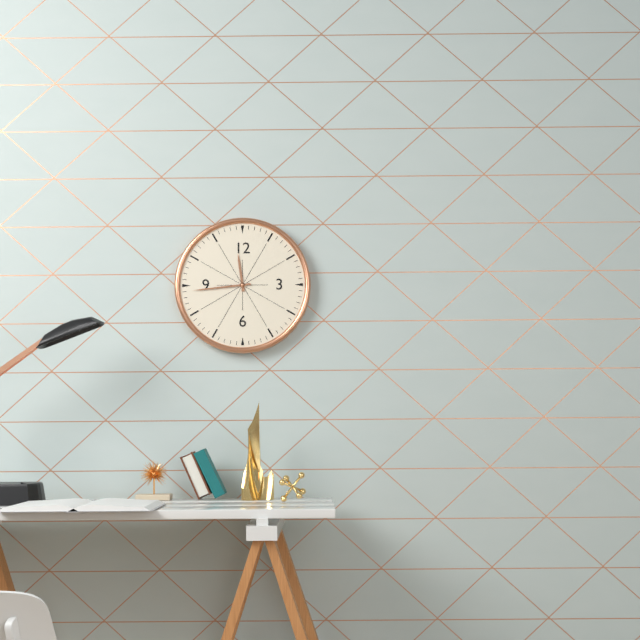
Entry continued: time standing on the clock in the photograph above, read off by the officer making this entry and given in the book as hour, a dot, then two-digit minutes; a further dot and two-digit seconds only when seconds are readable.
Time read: 11.44
